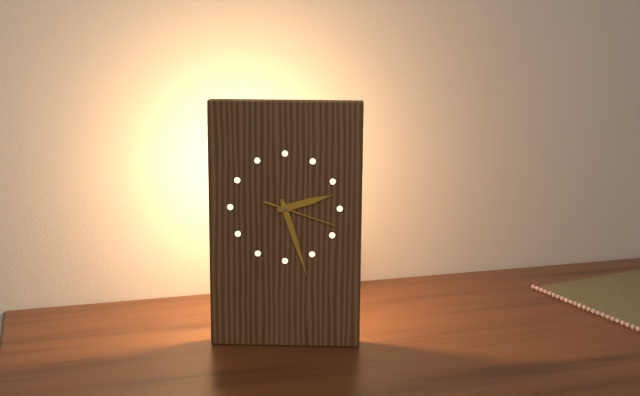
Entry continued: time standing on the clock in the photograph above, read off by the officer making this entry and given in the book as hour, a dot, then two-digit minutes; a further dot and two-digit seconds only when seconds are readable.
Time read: 2.27.18
